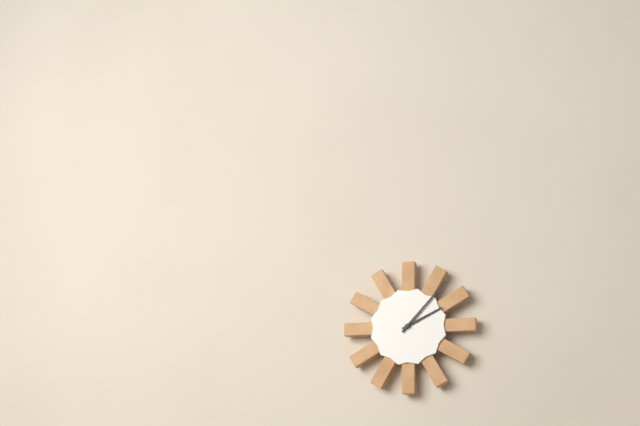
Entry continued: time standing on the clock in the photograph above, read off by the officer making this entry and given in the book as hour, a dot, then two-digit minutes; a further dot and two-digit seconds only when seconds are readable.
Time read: 2.07
